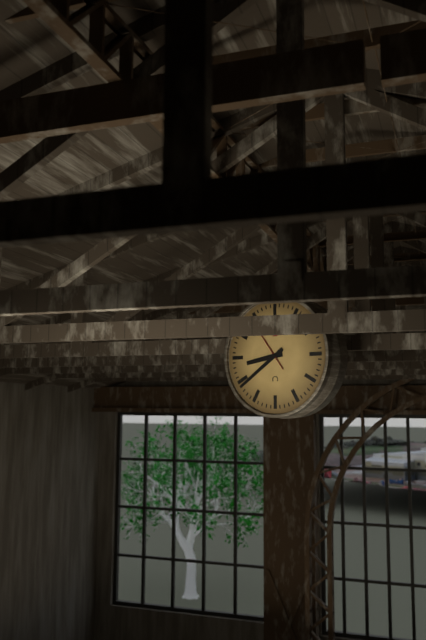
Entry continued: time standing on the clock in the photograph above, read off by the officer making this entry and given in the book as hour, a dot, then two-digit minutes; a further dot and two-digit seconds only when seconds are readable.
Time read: 8.39
